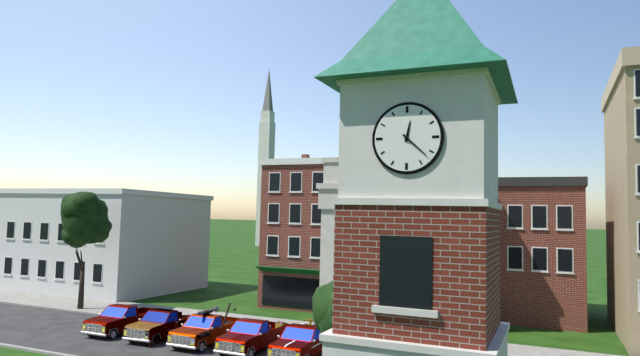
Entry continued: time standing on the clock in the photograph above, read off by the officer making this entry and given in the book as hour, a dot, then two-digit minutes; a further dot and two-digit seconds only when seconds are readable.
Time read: 12.22
